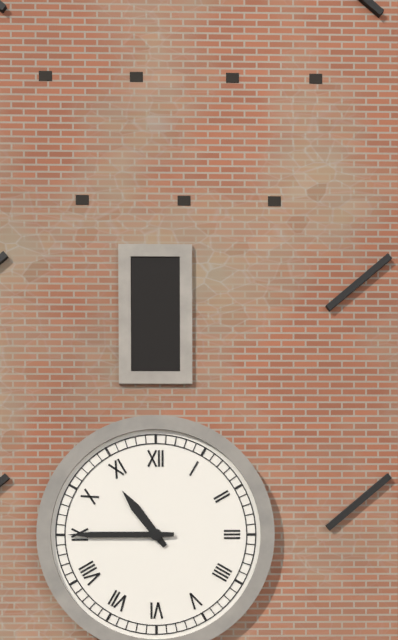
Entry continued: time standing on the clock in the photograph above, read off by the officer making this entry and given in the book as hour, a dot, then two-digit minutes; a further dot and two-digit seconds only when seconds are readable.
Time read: 10.45
